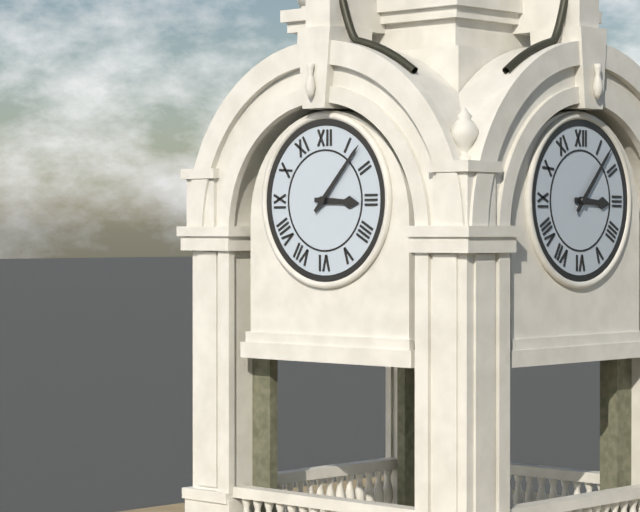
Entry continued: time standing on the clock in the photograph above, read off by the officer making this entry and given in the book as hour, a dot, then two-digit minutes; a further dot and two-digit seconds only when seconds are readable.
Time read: 3.07
